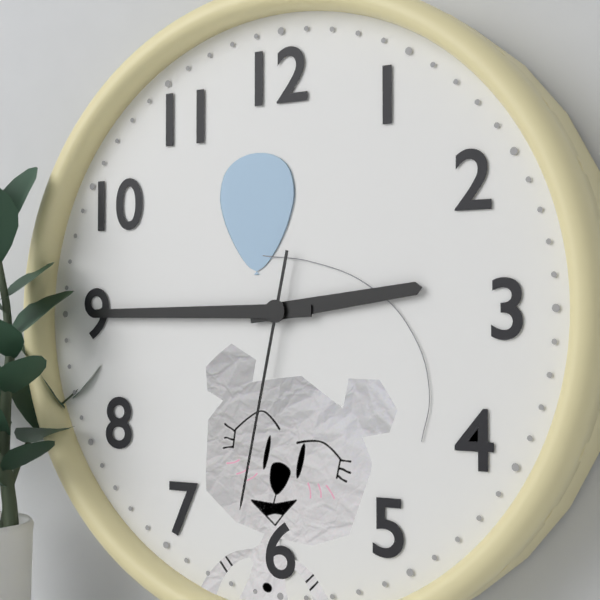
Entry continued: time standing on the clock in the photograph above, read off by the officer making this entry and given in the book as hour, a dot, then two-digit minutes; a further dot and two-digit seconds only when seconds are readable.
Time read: 2.45.32
